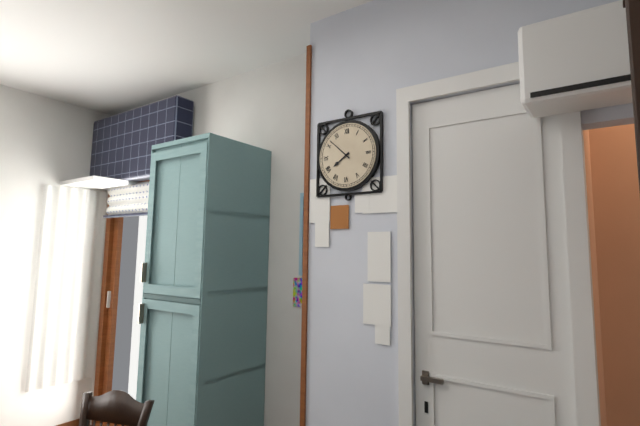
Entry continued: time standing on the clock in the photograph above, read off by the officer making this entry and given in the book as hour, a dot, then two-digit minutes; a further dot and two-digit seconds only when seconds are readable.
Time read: 7.52
